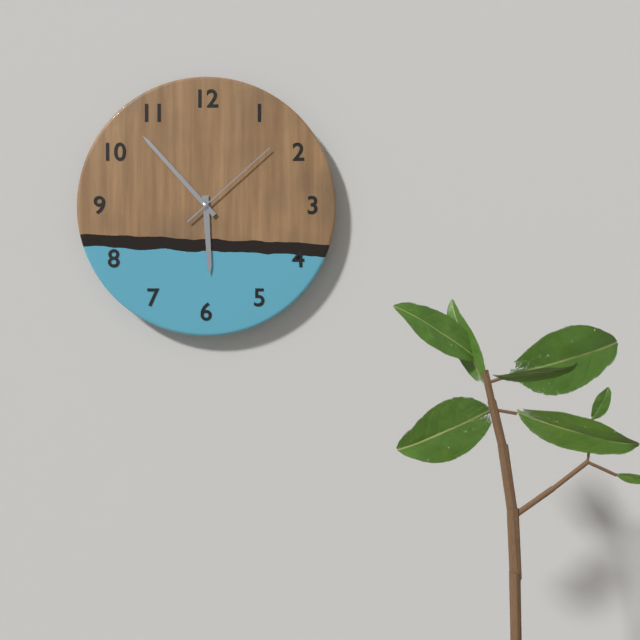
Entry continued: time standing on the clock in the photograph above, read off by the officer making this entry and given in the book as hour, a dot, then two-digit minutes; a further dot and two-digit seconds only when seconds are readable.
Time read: 5.53.08
